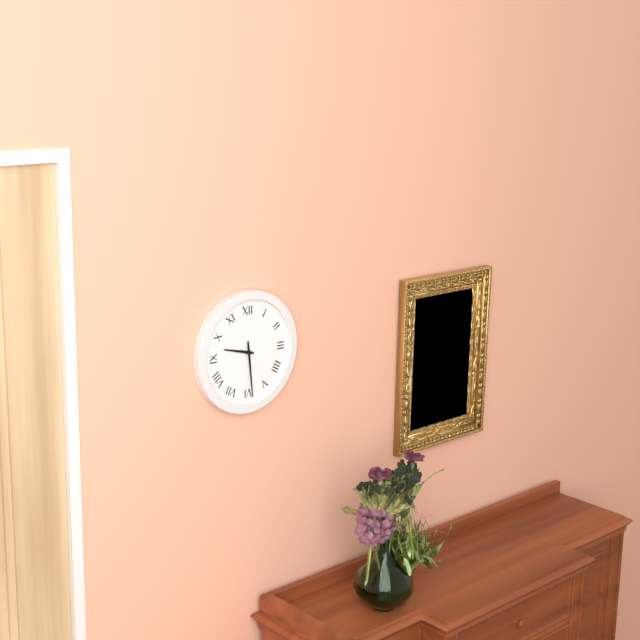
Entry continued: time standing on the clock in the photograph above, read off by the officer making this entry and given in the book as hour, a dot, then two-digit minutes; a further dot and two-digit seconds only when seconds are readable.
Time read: 9.29
